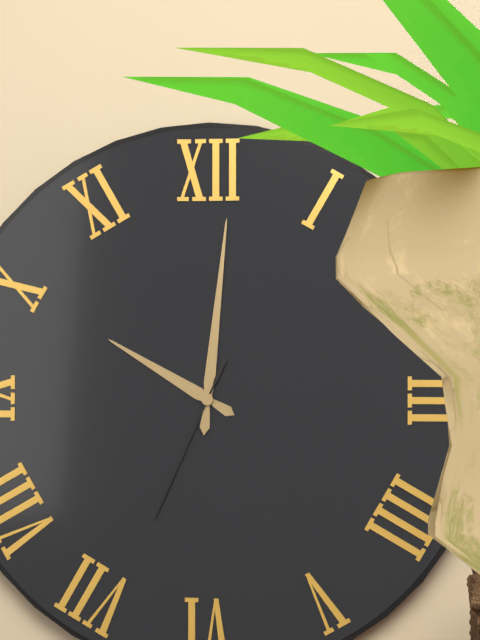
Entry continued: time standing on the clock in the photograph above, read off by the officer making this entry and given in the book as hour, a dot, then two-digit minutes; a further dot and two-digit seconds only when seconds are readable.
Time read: 10.01.34
